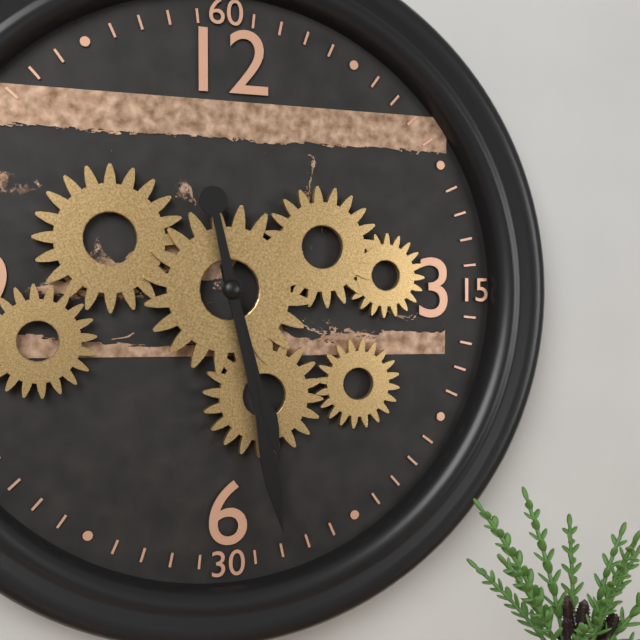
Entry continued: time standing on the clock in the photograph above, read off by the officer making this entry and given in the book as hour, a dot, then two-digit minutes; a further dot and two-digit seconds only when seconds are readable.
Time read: 5.28
